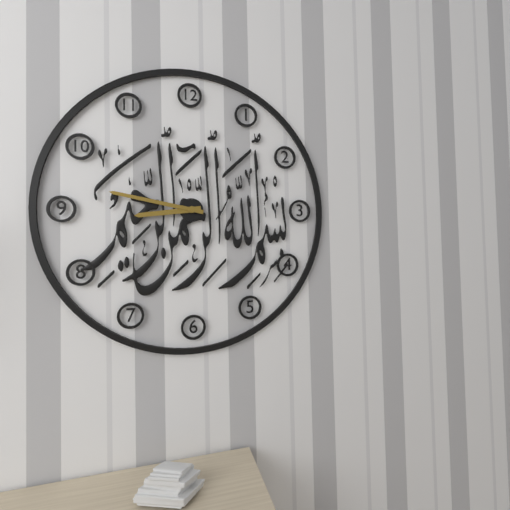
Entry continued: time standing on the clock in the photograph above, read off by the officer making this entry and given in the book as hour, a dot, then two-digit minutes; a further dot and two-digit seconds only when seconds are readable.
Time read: 8.47
